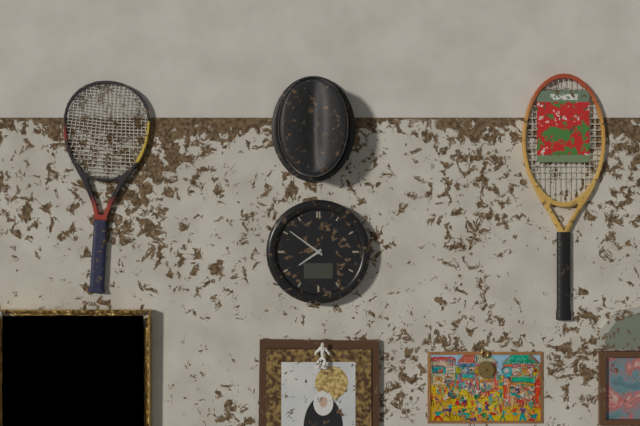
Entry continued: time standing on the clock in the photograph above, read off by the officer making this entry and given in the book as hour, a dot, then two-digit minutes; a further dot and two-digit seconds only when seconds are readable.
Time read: 7.51
